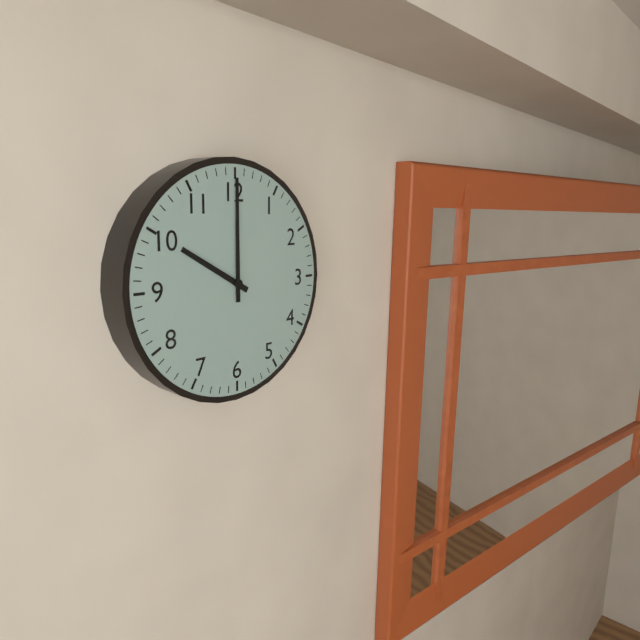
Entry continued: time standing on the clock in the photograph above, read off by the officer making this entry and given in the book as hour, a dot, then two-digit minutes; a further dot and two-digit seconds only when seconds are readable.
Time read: 10.00
